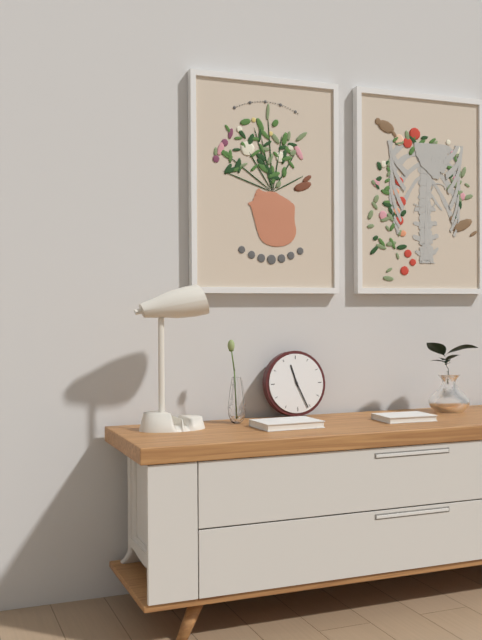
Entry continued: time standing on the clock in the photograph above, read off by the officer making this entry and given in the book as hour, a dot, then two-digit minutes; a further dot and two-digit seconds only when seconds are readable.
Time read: 11.26
